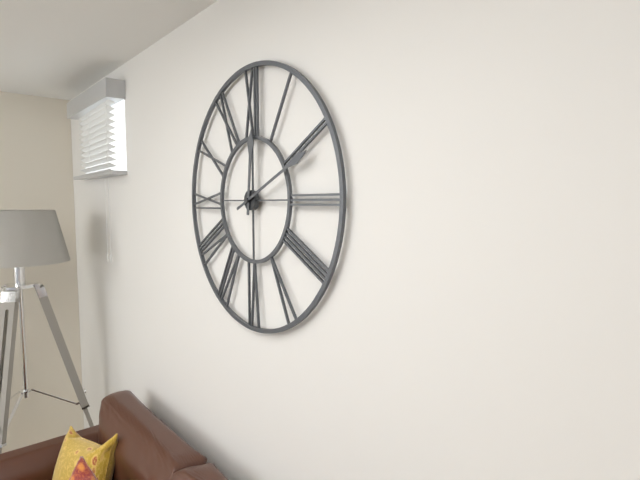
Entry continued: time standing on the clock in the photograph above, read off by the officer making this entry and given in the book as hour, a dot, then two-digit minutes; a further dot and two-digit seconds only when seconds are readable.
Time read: 12.11
